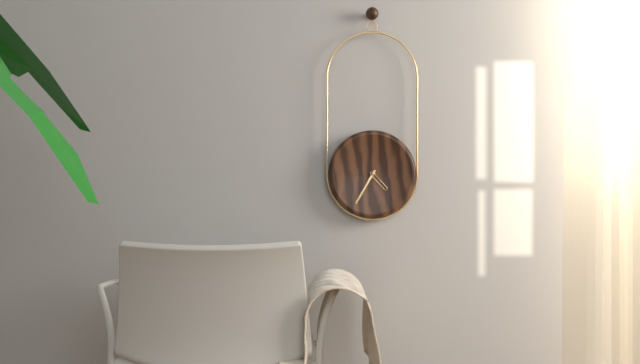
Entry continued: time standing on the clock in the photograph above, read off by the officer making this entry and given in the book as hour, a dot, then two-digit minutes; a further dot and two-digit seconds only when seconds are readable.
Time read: 4.35
